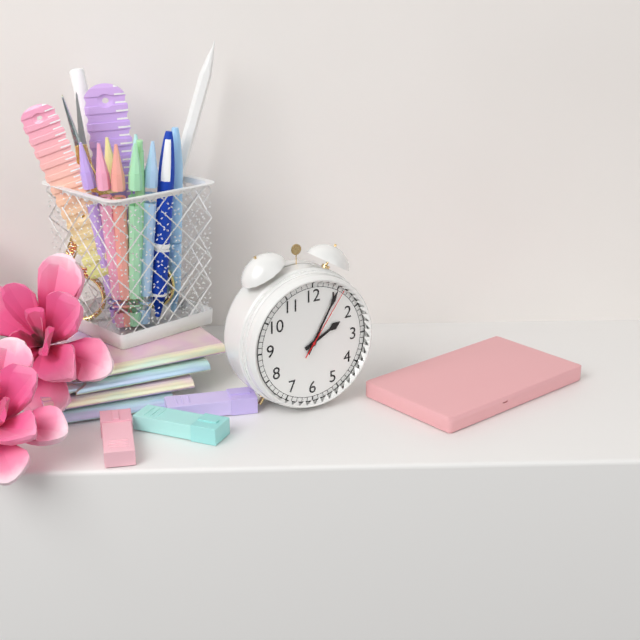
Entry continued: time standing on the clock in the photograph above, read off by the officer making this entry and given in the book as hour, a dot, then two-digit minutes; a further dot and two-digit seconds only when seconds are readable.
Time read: 2.05.06
